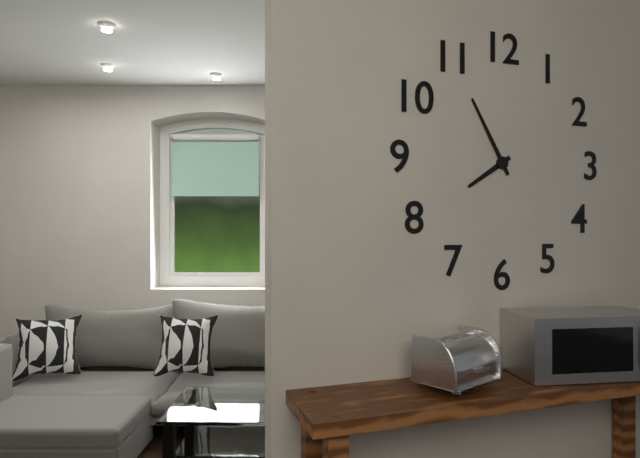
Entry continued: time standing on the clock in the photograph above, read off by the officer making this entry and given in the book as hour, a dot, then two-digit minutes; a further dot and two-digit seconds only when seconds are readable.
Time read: 7.55
